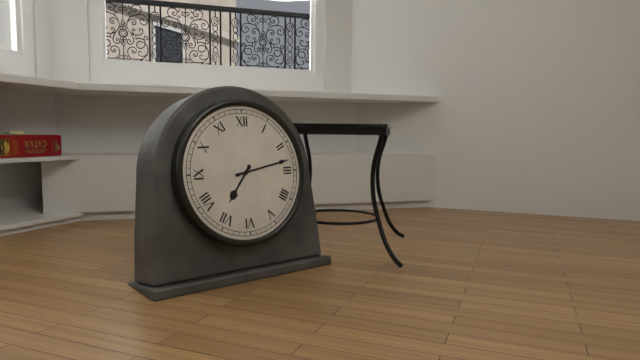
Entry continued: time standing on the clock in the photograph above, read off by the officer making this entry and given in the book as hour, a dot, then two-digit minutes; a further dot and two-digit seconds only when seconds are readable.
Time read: 7.13
